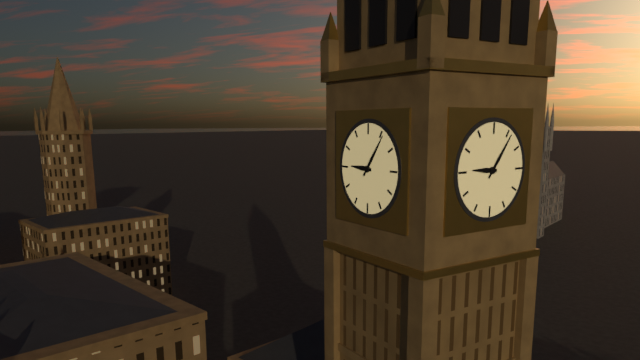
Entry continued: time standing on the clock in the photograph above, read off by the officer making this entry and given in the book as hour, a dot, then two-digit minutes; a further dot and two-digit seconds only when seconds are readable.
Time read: 9.06
